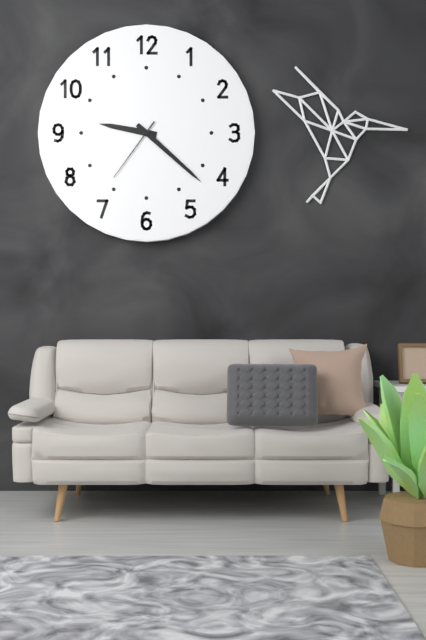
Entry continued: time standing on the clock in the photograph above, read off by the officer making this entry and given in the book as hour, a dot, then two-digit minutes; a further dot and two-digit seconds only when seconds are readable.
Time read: 9.22.36
